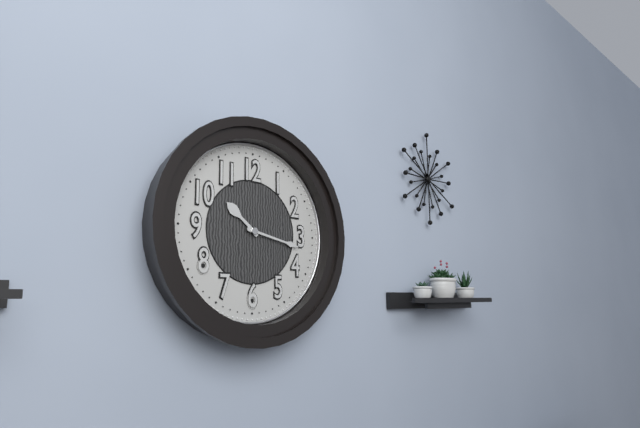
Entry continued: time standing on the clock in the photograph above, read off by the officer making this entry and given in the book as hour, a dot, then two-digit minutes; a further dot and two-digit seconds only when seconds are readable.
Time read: 10.17
